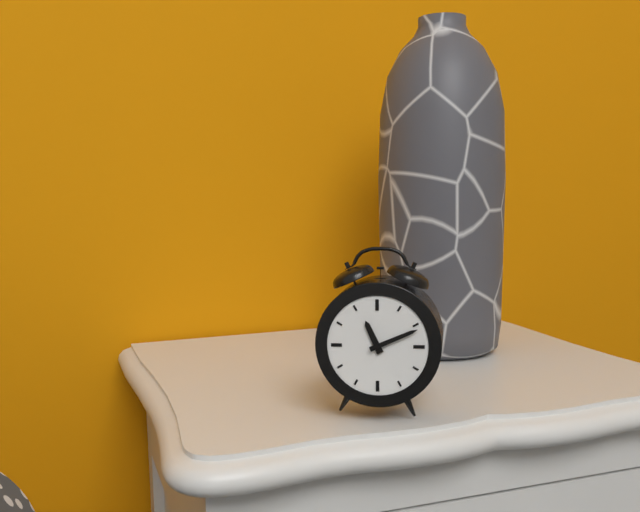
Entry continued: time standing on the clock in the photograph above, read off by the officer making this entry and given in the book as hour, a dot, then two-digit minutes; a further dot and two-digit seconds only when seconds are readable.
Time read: 11.11
